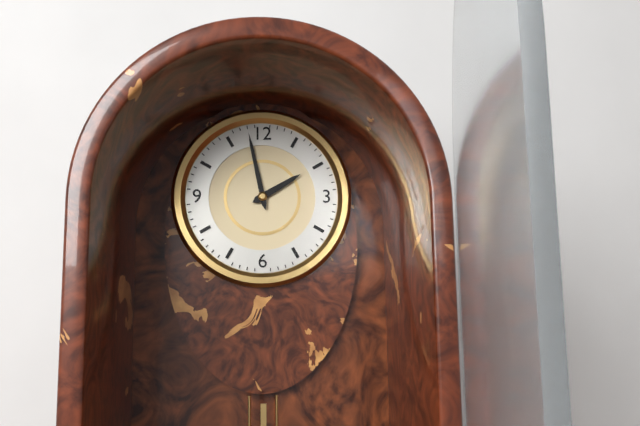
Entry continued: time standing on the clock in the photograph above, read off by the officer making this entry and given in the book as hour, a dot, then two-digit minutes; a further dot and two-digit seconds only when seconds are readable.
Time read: 1.58
